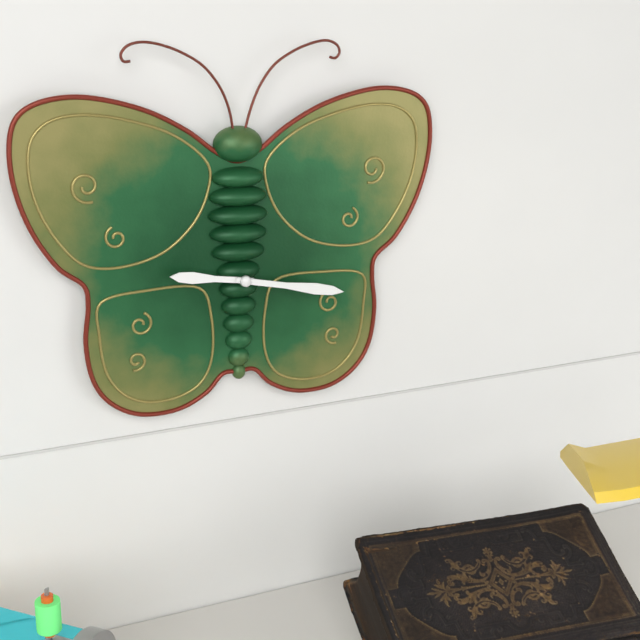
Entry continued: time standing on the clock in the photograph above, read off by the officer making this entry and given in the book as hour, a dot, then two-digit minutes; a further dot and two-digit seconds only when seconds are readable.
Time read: 9.17
